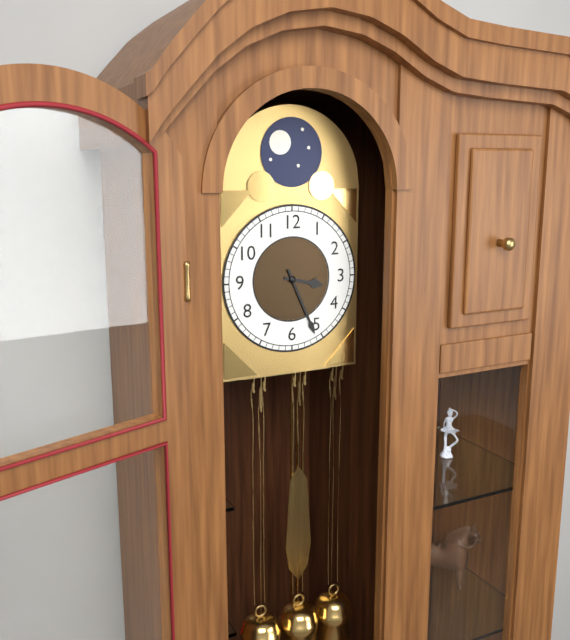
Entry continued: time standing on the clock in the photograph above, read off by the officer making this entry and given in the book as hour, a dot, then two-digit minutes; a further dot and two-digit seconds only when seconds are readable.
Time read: 3.26
